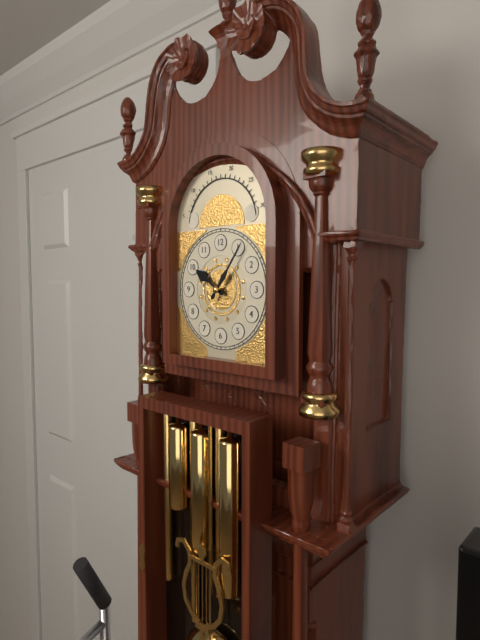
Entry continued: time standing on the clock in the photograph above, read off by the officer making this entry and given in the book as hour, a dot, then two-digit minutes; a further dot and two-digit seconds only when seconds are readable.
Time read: 10.06
